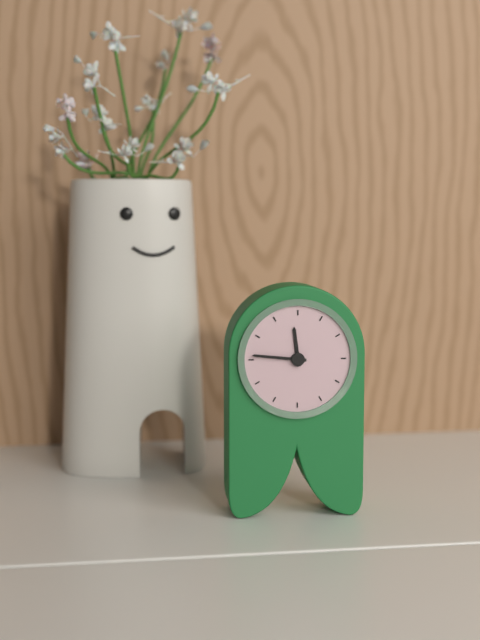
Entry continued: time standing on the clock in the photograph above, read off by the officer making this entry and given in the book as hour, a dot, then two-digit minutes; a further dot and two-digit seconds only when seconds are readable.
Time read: 11.46
